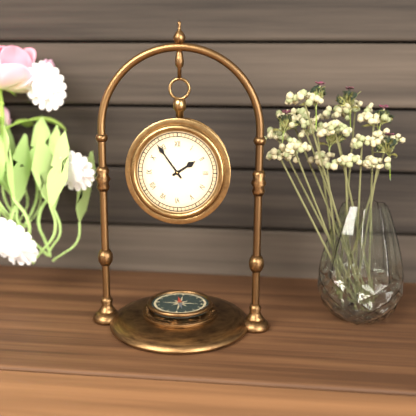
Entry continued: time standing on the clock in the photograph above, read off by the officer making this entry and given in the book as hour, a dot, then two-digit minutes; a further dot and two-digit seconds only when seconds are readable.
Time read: 1.54
